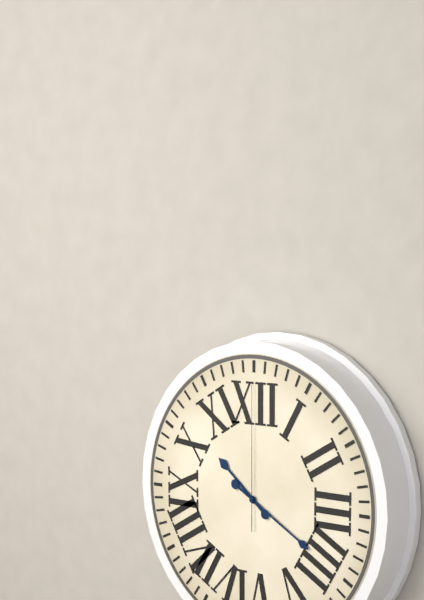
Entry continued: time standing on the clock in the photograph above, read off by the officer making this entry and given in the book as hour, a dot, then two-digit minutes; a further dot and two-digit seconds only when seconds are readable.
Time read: 10.20.00
